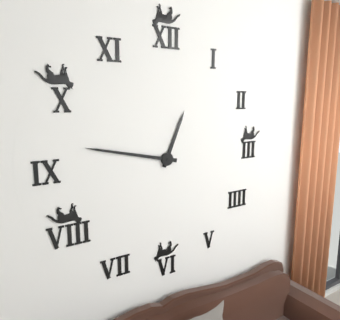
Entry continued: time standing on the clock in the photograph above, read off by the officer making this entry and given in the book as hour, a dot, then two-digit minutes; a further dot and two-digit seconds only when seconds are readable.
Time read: 12.47
